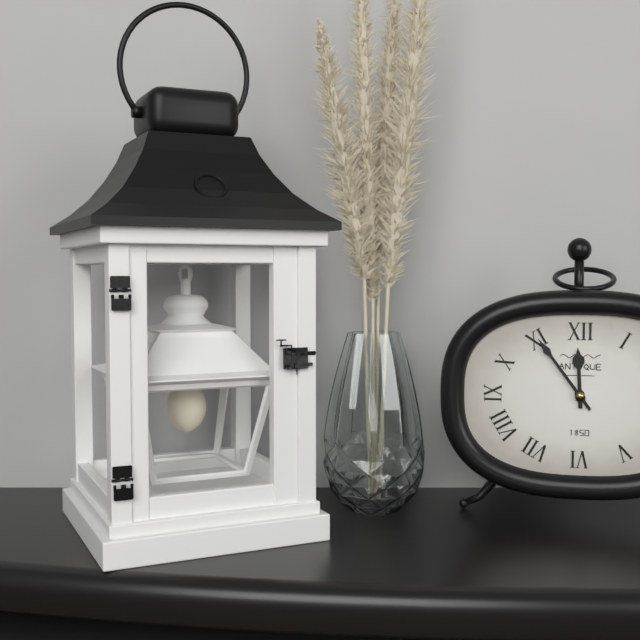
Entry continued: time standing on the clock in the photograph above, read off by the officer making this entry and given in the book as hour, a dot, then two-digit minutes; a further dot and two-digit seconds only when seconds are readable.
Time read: 11.54
